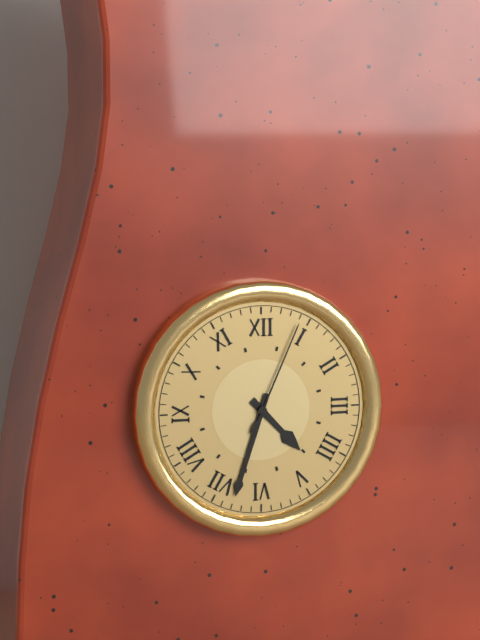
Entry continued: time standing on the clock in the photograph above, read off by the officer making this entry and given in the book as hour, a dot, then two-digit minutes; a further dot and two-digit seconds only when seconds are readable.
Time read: 4.33.04
